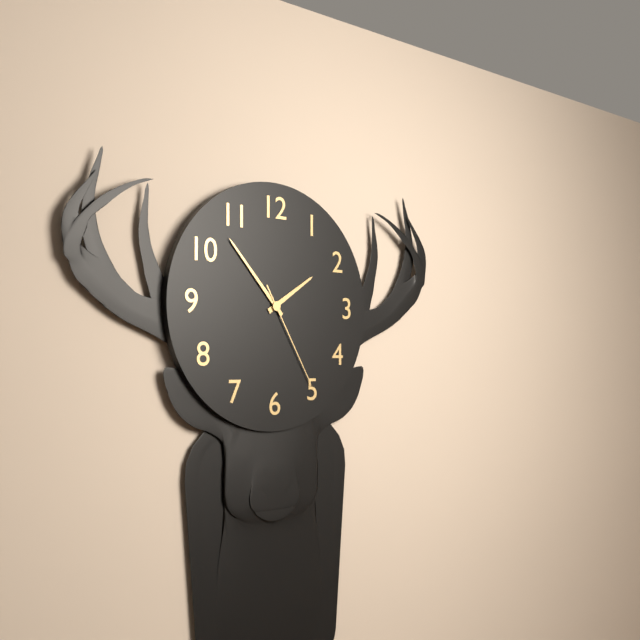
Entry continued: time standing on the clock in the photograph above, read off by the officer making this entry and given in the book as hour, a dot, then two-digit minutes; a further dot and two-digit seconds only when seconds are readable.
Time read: 1.53.25
